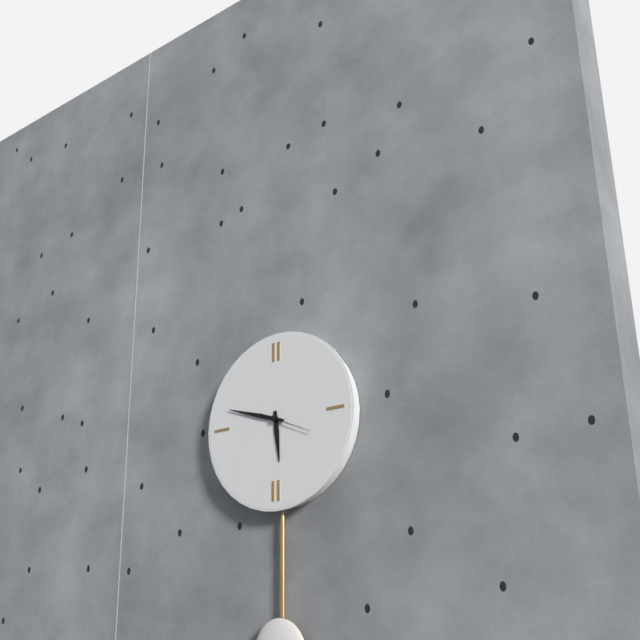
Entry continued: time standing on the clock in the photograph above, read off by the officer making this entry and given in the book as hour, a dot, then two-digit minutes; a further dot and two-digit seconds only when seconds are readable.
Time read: 5.48
